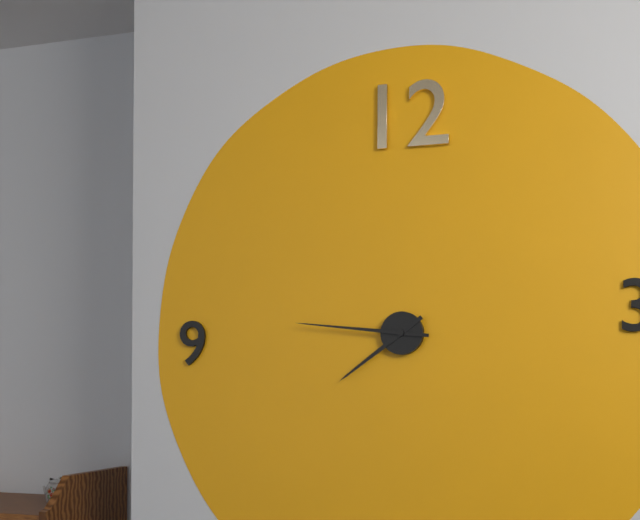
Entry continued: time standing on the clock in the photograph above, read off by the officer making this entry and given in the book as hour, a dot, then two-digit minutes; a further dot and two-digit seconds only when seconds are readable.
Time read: 7.46
